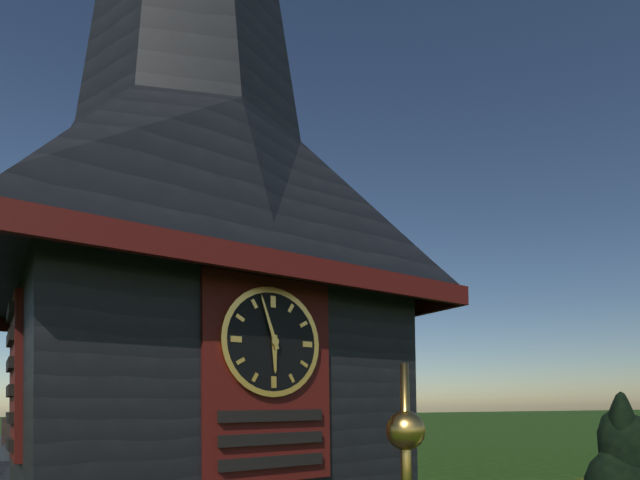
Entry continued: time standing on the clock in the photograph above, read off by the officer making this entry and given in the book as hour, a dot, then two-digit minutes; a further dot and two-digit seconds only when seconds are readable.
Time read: 5.57
